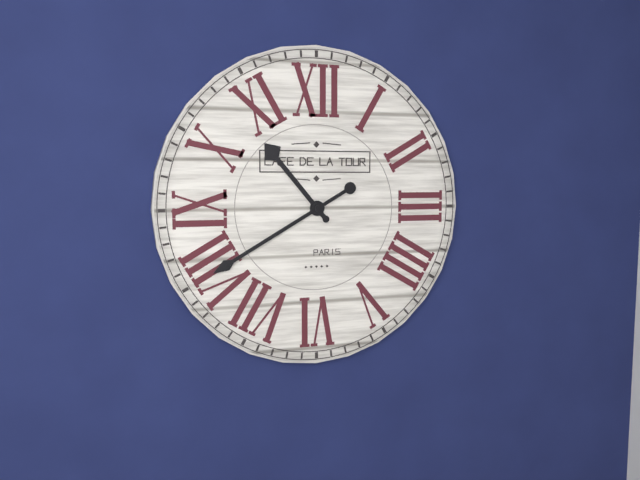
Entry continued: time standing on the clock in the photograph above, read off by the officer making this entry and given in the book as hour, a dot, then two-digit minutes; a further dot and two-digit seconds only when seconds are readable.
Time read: 10.40
